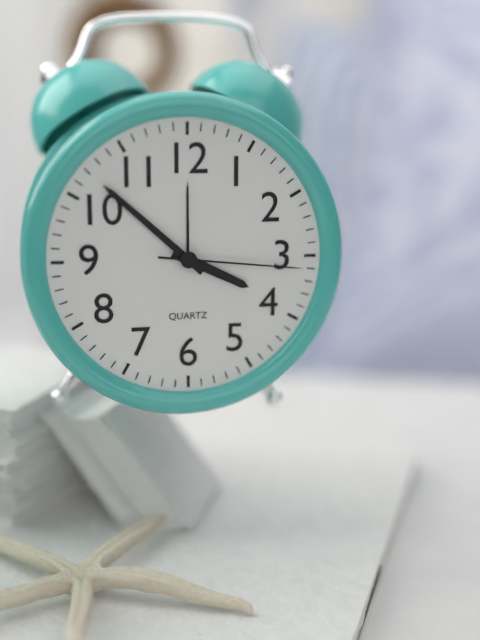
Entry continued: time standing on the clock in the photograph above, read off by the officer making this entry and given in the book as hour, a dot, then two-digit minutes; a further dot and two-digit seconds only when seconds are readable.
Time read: 3.52.16
